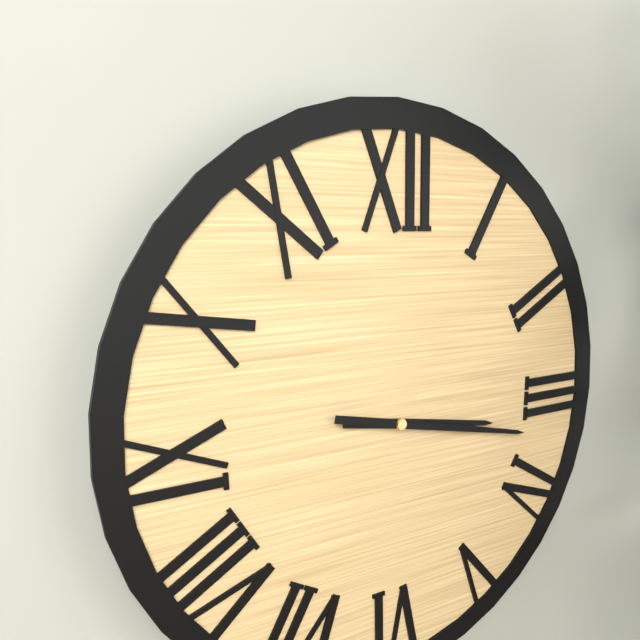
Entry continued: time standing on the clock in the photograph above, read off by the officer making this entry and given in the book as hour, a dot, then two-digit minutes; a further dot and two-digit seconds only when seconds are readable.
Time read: 3.17
